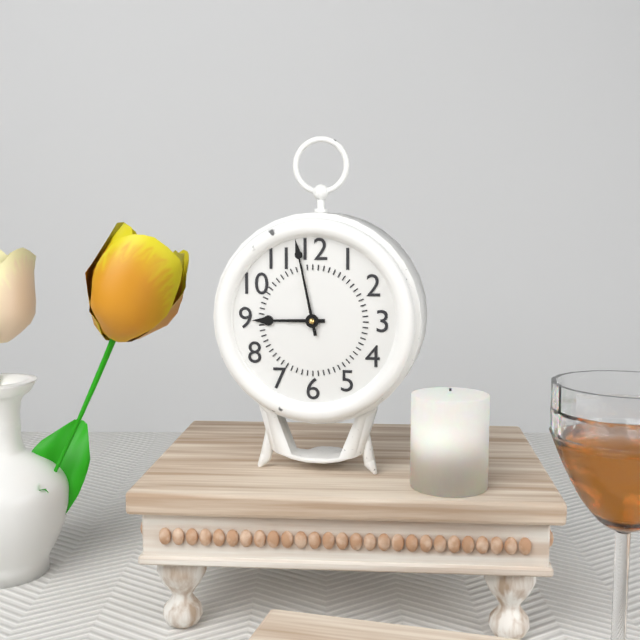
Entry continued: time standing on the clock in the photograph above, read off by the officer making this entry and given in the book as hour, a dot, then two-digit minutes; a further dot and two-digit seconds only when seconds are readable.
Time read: 8.58
